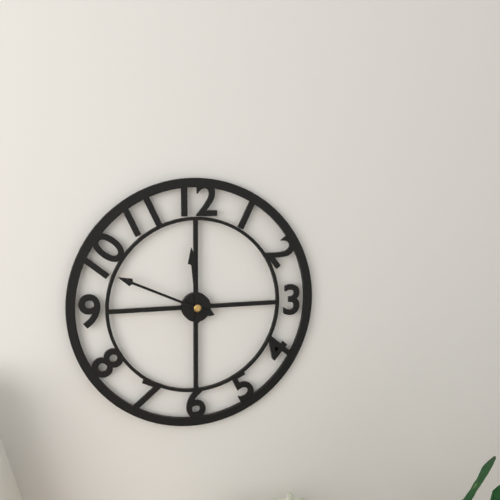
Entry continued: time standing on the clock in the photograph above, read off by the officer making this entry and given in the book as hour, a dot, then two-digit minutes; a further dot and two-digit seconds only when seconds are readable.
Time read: 11.49
